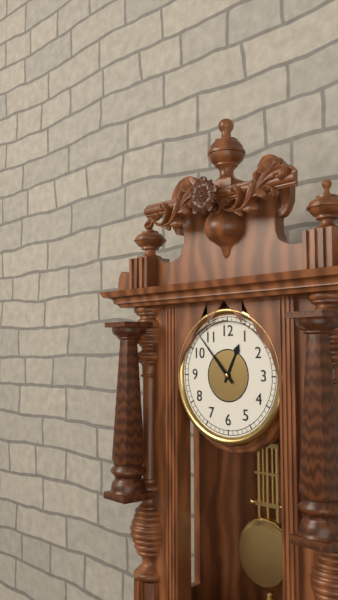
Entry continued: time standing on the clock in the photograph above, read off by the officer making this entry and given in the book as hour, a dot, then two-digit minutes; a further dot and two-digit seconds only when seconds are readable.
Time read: 12.53
